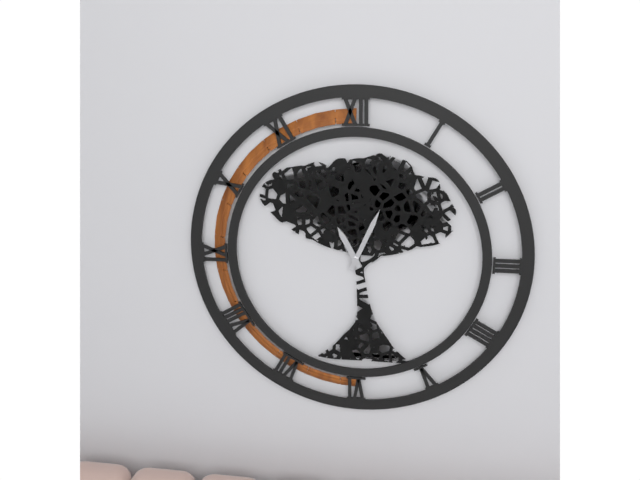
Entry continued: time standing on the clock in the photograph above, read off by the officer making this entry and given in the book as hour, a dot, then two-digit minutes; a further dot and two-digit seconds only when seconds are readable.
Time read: 11.04
